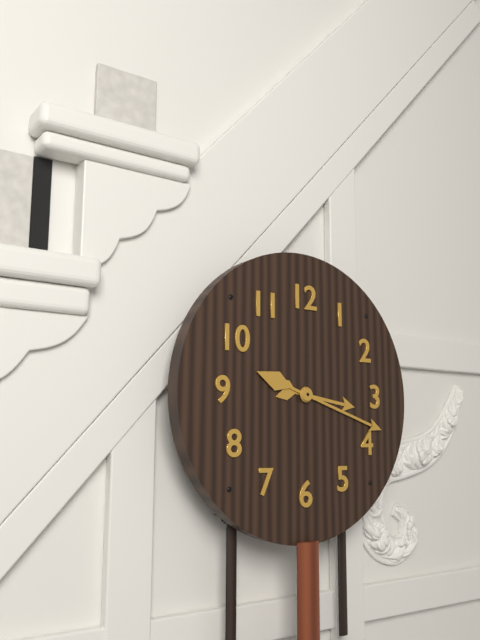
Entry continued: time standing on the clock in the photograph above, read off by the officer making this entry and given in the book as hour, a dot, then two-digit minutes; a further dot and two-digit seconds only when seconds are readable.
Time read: 3.18
